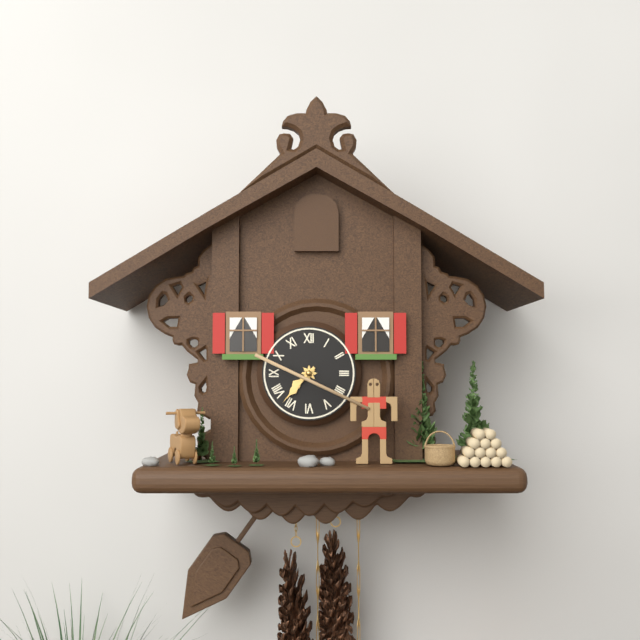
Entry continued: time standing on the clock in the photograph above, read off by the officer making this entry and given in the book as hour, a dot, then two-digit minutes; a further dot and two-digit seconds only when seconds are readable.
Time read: 7.37
